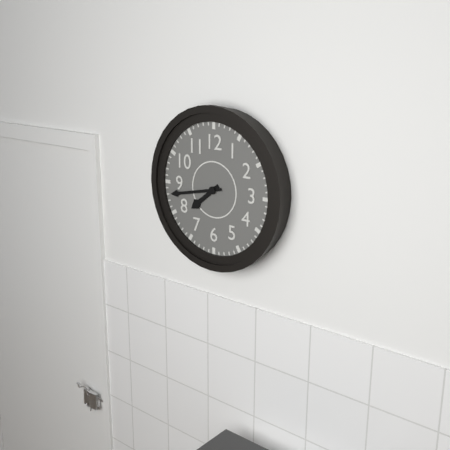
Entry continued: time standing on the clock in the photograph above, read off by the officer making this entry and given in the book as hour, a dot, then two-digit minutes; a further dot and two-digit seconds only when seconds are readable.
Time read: 7.43
